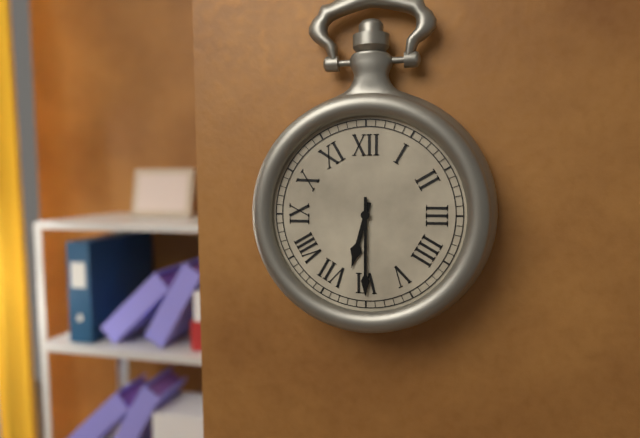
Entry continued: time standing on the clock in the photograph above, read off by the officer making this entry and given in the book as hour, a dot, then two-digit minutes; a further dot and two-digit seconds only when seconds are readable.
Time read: 6.30
